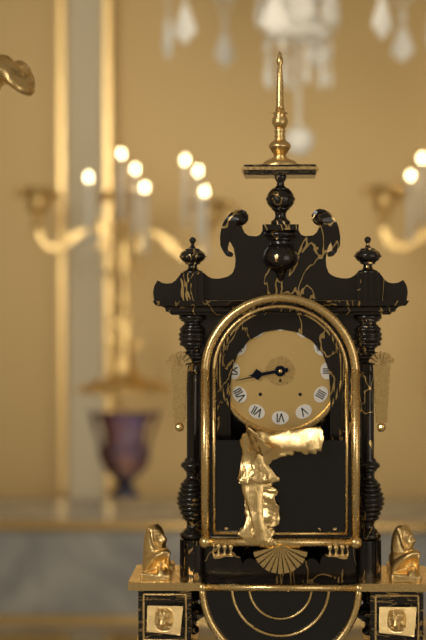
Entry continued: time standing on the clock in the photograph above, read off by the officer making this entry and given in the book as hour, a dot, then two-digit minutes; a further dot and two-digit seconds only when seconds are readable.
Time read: 8.43
